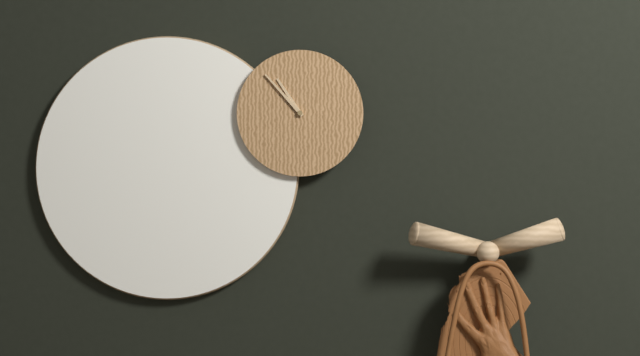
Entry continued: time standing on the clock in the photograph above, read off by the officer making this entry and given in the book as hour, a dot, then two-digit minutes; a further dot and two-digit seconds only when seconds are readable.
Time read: 10.53
